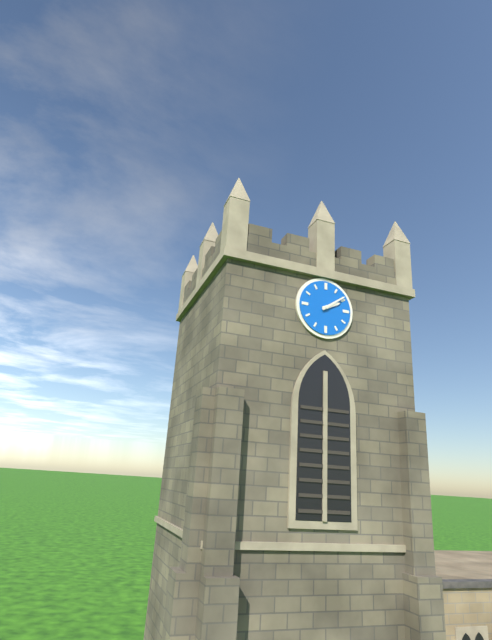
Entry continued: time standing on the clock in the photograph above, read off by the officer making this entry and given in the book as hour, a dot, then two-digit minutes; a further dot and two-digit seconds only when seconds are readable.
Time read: 2.09
